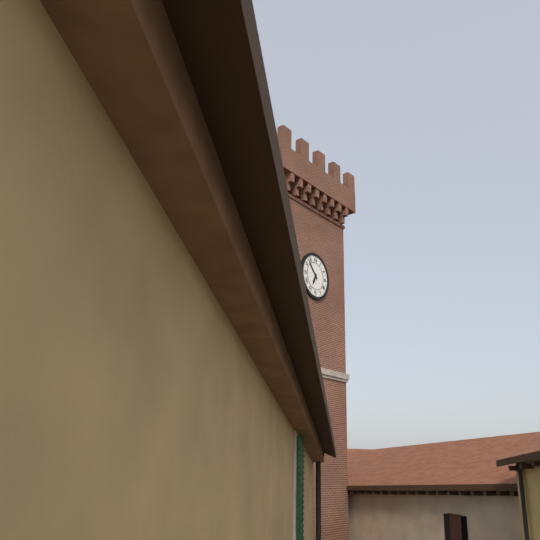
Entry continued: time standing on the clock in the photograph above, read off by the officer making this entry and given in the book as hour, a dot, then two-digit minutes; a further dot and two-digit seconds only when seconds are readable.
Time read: 6.53
